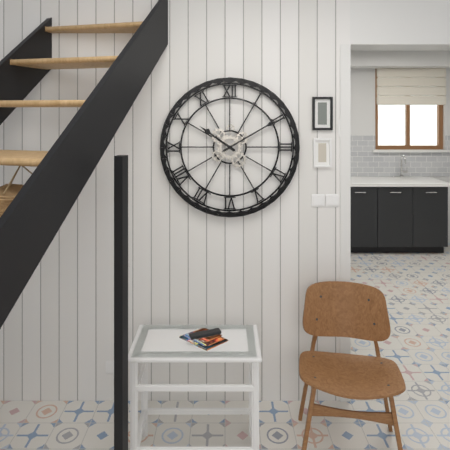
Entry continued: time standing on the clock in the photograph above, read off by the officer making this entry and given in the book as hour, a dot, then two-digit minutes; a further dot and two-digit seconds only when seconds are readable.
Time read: 10.10
